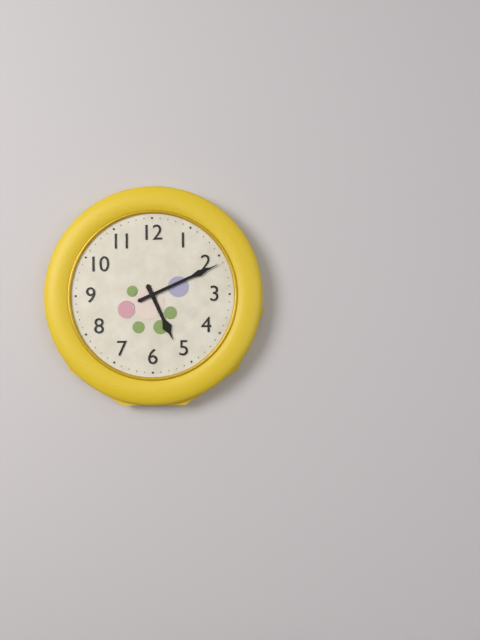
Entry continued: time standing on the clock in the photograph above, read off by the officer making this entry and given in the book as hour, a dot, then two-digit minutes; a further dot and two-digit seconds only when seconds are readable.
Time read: 5.11
